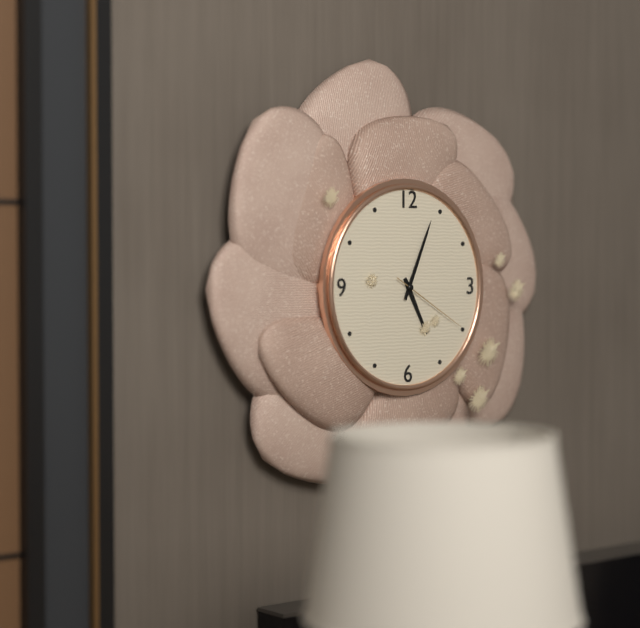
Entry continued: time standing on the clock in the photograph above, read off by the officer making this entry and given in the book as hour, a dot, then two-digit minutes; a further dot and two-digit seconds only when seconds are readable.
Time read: 5.04.20
